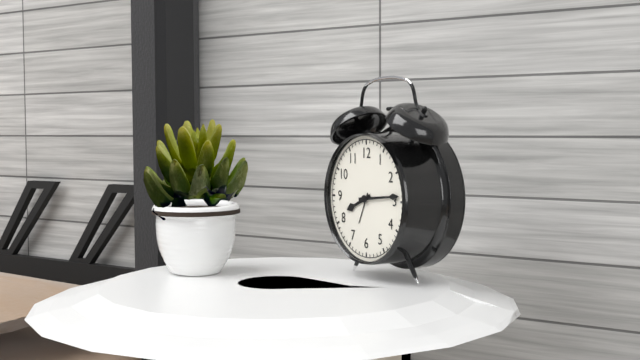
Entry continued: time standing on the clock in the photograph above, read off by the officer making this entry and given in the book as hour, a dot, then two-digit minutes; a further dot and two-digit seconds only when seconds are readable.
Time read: 8.14
